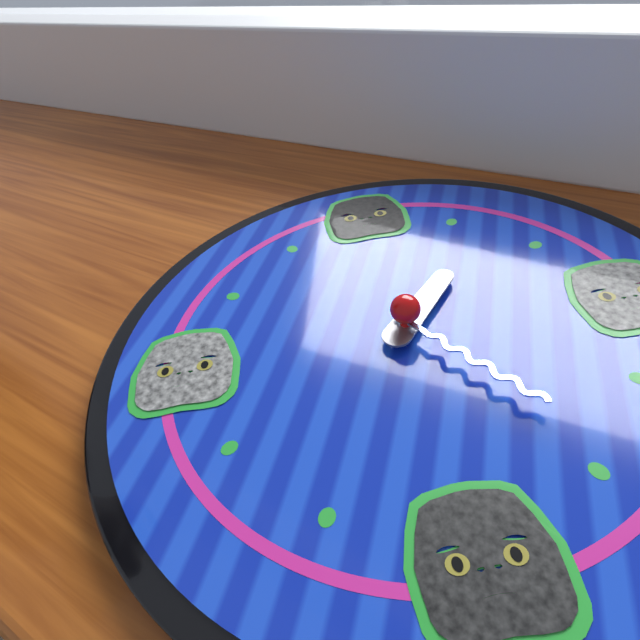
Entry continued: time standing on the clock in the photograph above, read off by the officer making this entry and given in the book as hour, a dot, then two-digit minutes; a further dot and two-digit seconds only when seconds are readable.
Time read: 1.24
